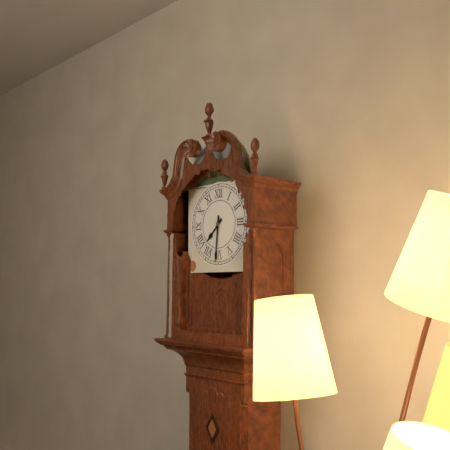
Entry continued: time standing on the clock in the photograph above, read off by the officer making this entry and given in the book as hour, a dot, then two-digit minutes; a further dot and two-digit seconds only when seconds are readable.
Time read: 7.31
